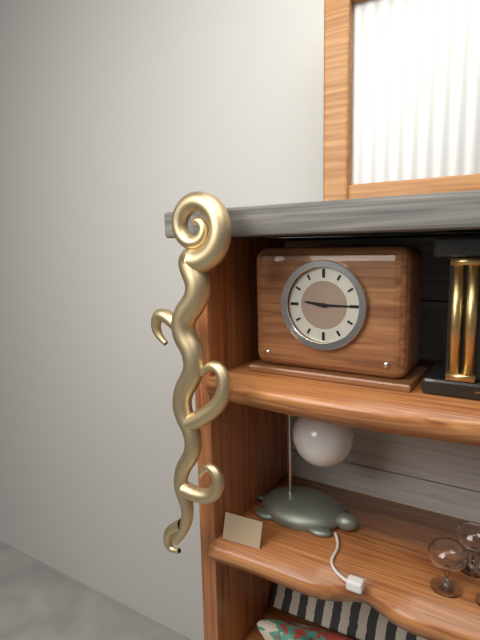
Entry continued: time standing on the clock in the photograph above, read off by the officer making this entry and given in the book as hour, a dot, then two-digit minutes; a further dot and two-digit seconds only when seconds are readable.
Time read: 9.15
